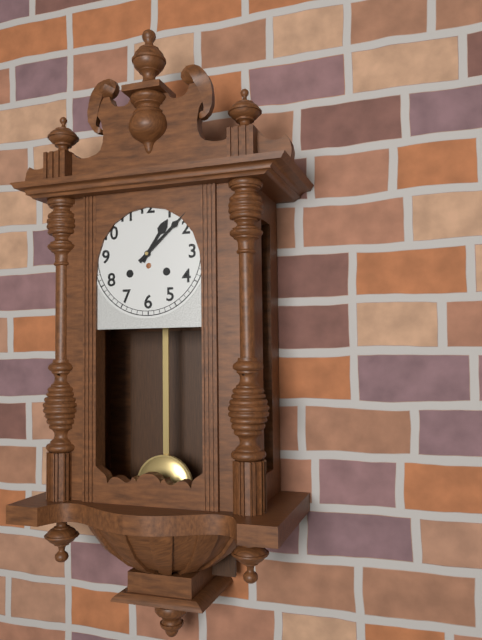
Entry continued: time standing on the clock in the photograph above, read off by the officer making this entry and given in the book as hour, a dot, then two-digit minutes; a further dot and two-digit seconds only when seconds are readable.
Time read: 1.08
